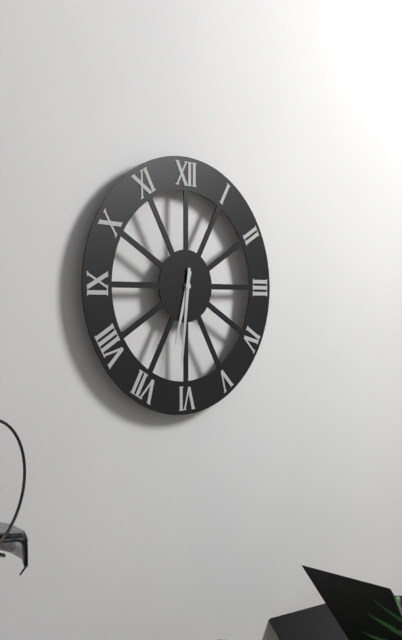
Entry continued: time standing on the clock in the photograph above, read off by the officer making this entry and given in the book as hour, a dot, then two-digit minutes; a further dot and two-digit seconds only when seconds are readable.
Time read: 6.31
